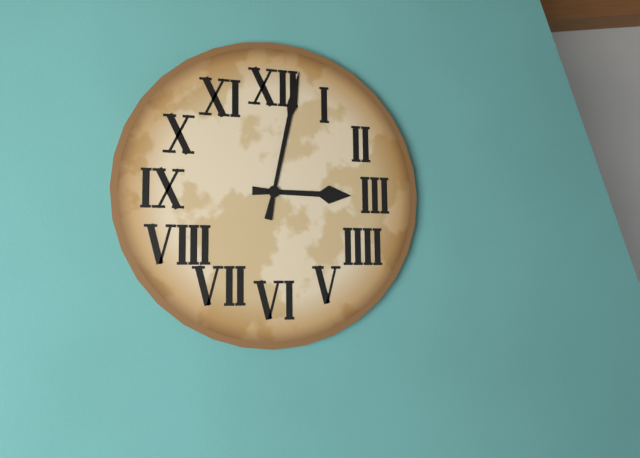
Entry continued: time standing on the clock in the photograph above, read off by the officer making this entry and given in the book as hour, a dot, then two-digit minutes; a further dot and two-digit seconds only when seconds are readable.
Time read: 3.02
